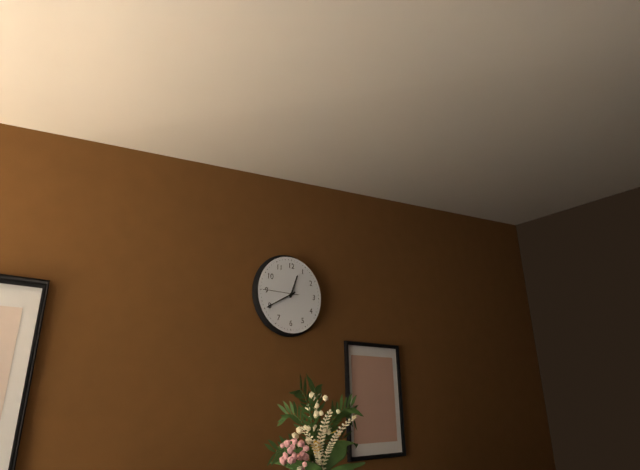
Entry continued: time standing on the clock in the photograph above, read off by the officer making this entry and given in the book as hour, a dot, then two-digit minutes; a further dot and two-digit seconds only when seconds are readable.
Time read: 12.40
